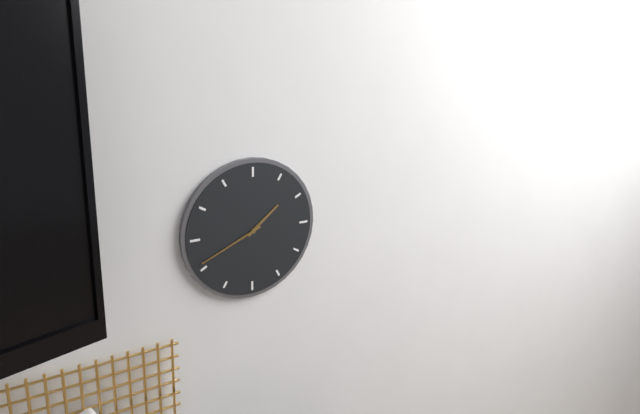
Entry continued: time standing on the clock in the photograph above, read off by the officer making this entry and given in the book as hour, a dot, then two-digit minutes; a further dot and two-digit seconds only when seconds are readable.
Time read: 1.41
